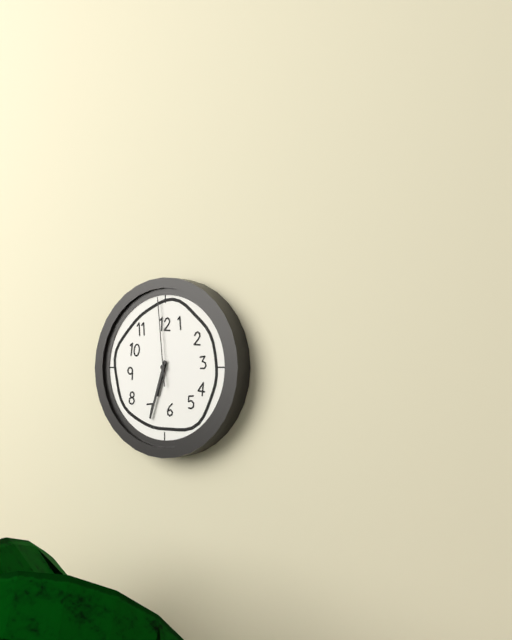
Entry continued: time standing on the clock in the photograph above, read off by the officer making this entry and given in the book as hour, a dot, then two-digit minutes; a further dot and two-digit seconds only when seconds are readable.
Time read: 6.33.59
